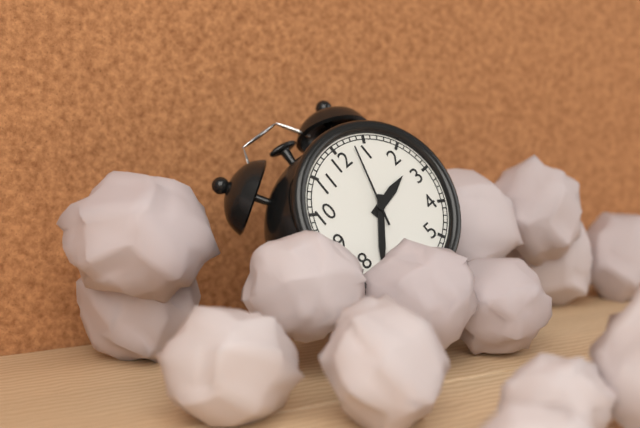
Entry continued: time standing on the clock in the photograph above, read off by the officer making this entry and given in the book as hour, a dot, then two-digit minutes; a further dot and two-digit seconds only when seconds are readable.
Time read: 2.37.03
